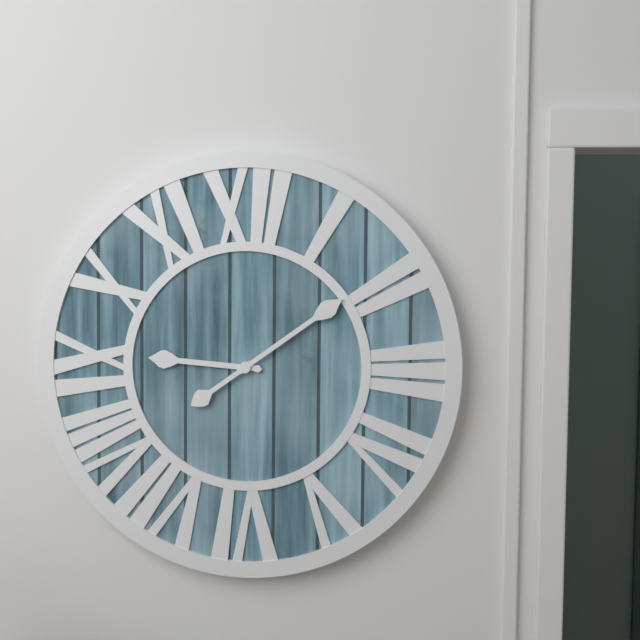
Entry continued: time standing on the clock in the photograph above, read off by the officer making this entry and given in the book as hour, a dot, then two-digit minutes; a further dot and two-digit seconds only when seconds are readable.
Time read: 9.09
